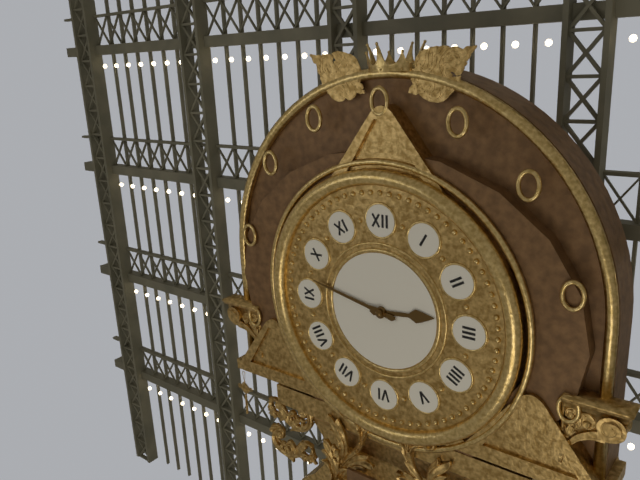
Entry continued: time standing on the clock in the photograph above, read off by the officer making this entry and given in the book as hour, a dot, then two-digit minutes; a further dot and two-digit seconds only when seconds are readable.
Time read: 2.47
